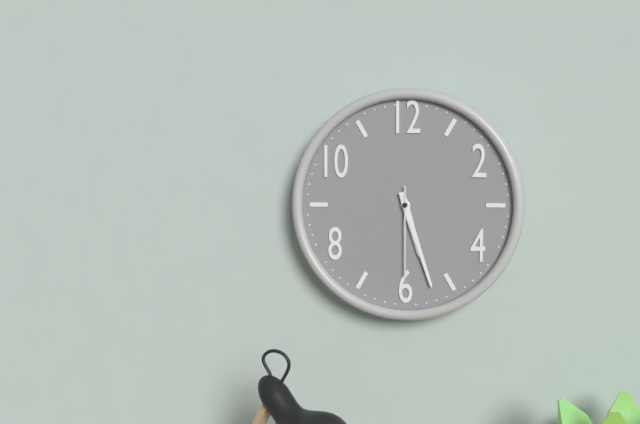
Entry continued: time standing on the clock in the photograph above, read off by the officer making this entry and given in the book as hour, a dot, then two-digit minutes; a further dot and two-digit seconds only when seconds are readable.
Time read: 5.27.30
